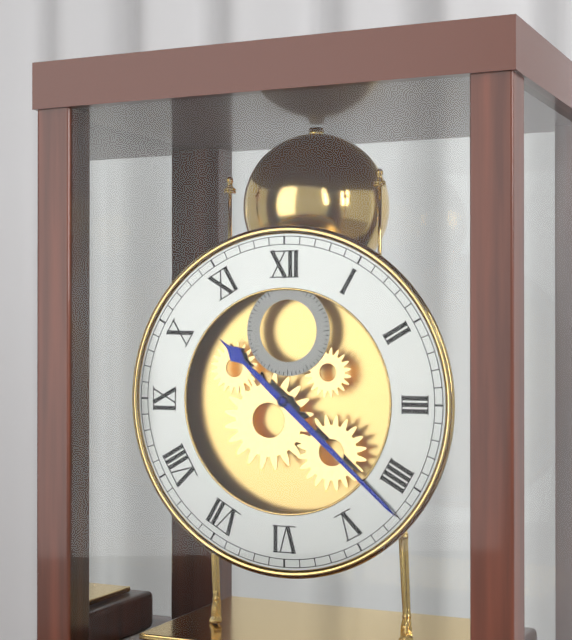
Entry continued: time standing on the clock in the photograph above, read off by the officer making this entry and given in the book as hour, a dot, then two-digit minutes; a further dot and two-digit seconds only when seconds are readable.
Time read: 10.22
